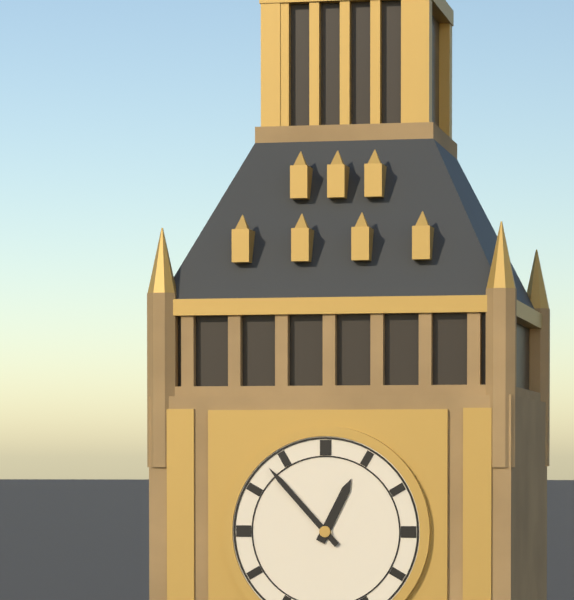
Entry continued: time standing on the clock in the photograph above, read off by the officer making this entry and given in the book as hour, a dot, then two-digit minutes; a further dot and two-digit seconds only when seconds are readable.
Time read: 12.53
